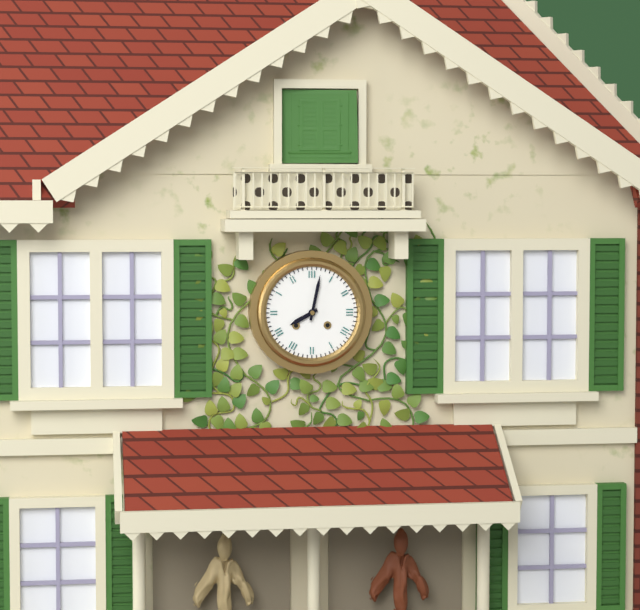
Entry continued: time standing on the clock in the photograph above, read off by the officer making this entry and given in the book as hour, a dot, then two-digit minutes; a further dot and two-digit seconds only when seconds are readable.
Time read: 8.02
